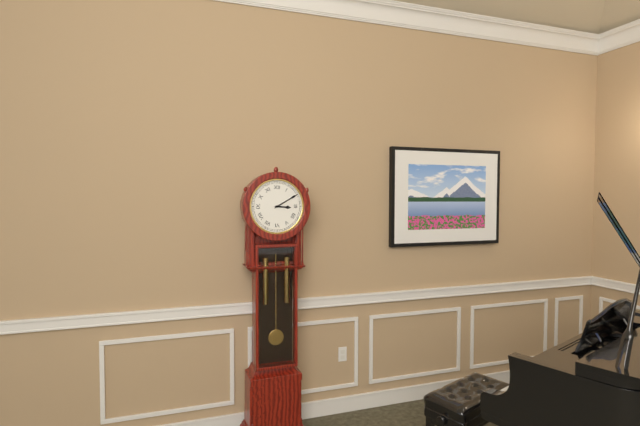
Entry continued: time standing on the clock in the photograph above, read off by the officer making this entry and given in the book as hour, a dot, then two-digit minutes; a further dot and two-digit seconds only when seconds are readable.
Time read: 3.10
